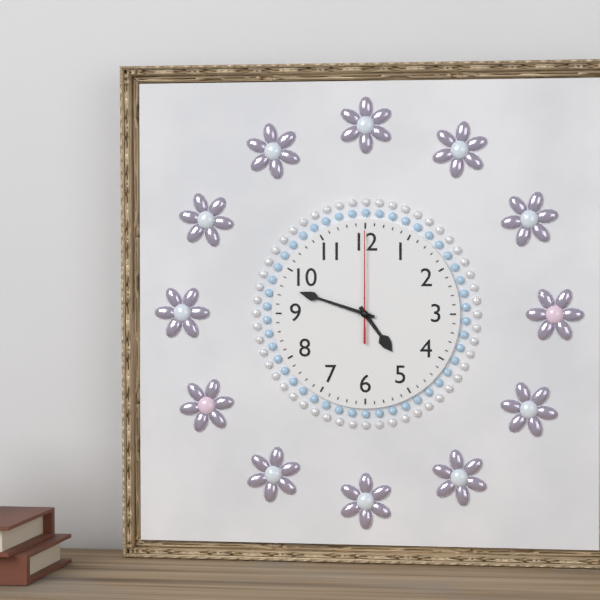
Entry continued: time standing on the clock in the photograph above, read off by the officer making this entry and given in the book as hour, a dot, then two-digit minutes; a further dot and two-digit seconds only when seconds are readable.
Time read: 4.48.00
